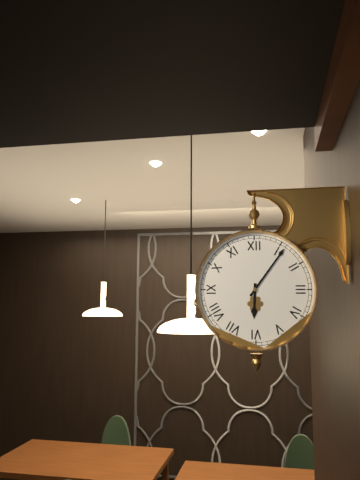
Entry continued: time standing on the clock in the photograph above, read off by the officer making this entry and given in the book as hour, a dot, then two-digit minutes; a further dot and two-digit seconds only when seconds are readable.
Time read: 6.06
